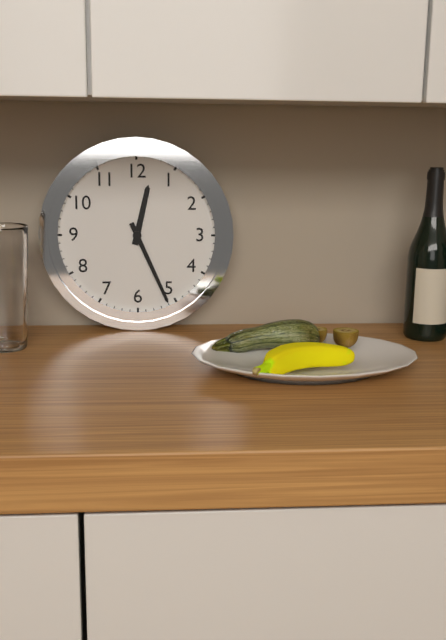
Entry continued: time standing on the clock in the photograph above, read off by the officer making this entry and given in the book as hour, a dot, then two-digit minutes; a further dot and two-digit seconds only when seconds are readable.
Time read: 12.26
